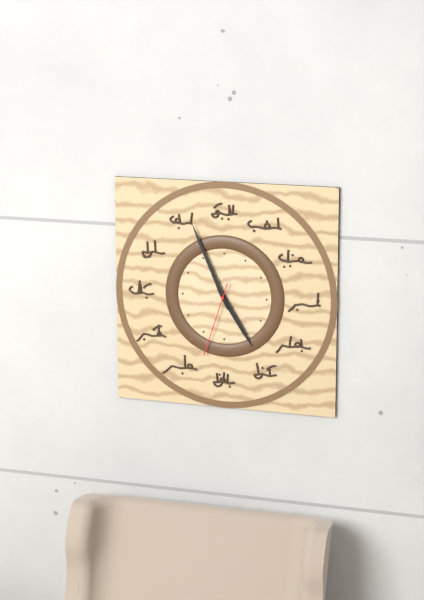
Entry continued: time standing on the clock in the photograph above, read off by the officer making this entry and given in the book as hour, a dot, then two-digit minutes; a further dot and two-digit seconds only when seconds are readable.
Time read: 4.56.33
